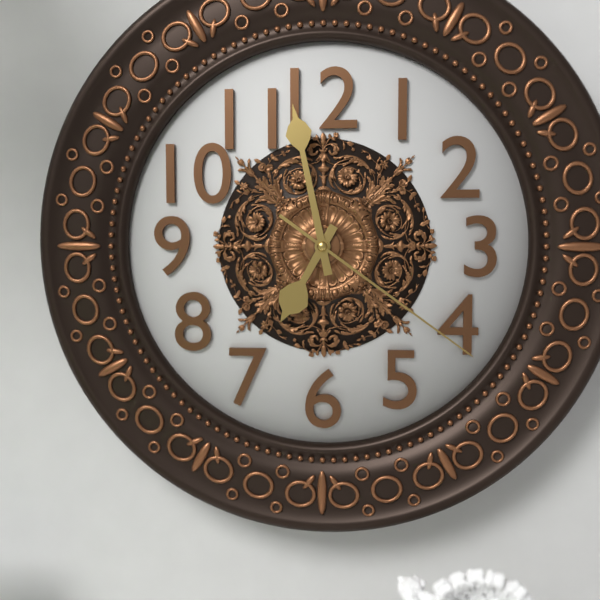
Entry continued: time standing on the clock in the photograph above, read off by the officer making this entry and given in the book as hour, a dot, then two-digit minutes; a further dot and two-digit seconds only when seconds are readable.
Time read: 6.58.21
